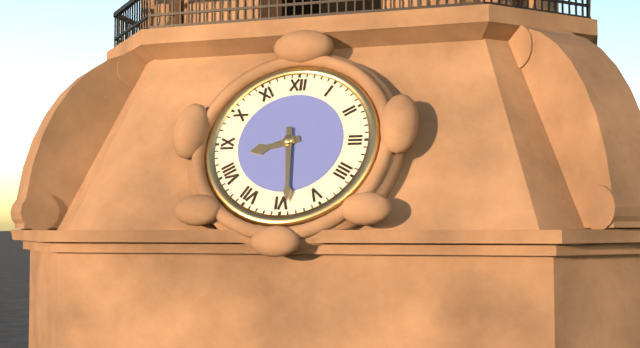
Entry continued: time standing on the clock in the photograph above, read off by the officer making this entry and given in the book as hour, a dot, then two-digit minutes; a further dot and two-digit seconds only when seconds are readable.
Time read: 8.29
